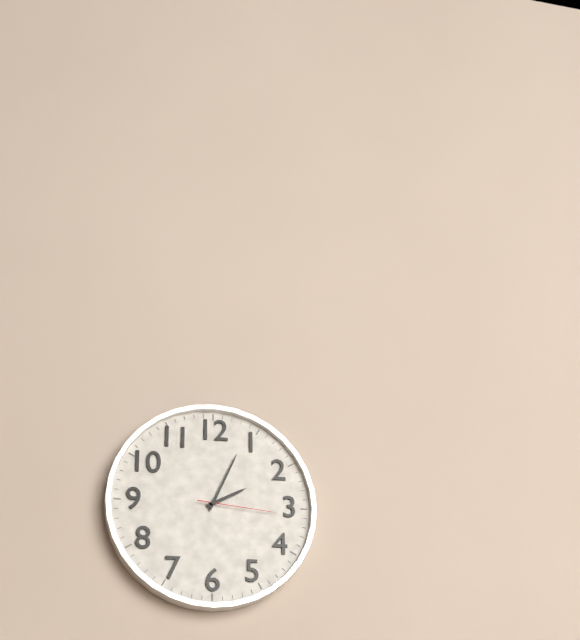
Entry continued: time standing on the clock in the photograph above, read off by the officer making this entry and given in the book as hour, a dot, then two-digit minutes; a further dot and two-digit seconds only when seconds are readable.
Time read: 2.04.16
